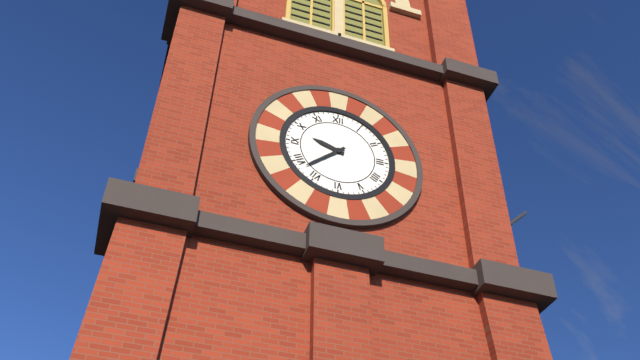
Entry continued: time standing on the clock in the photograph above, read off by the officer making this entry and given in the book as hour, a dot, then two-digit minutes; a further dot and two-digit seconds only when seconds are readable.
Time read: 9.38
